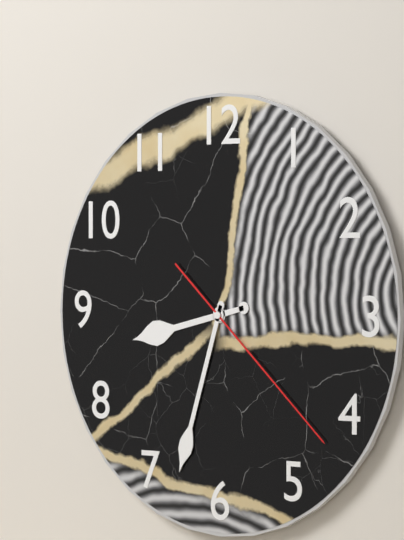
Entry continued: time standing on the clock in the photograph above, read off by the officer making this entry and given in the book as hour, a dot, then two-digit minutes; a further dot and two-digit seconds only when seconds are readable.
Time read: 8.33.22
